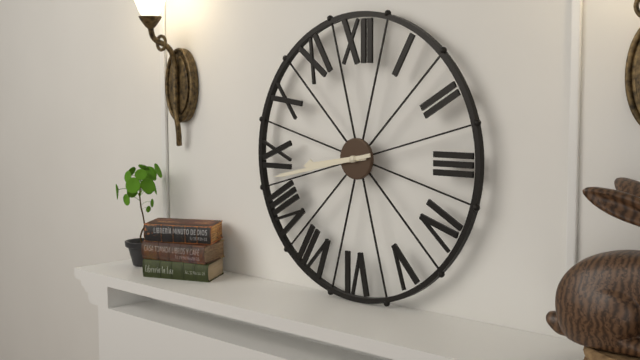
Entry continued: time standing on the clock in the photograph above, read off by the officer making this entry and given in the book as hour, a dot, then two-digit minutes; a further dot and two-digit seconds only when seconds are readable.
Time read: 8.43
